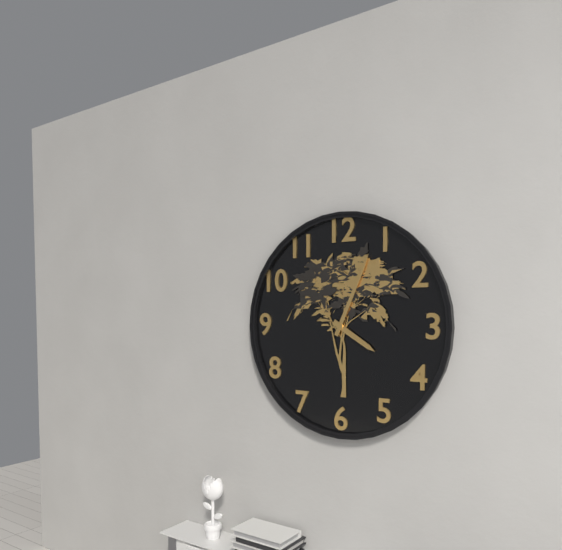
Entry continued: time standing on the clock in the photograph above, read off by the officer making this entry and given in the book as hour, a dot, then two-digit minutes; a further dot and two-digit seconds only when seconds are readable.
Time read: 4.04
